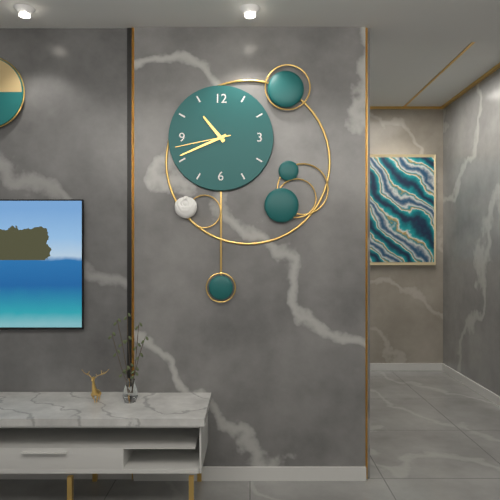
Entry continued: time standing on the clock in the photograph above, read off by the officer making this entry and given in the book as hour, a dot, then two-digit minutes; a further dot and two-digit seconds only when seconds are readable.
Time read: 10.41.43
